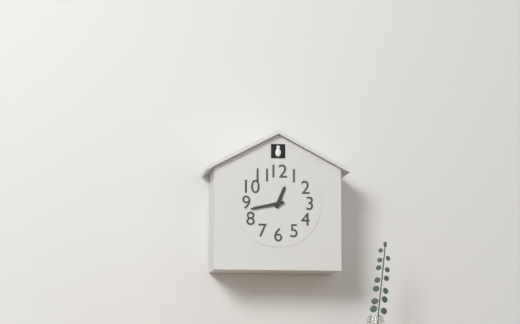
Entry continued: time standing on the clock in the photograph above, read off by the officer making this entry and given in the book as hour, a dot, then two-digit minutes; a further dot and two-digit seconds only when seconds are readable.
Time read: 12.43
